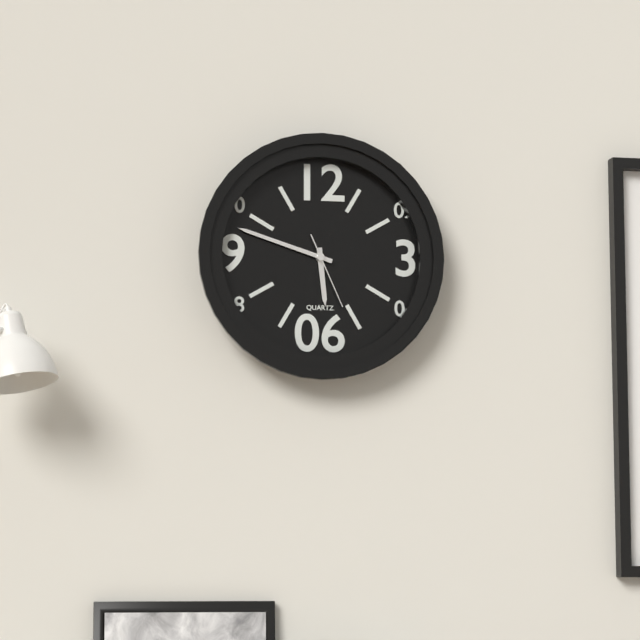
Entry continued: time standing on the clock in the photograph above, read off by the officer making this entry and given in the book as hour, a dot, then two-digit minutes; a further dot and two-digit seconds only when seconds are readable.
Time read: 5.48.26
